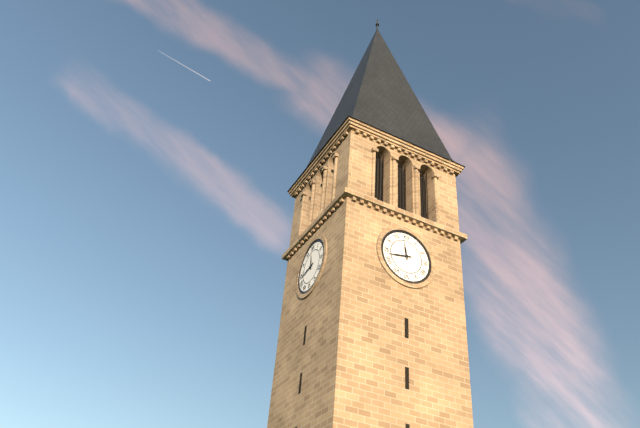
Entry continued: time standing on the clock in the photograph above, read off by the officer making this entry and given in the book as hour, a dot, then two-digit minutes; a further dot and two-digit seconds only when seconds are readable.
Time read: 11.43
